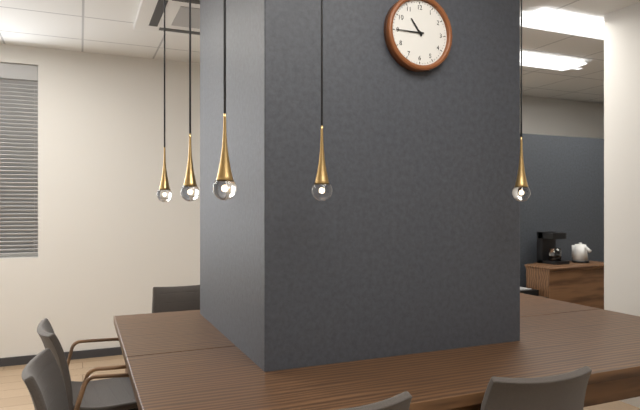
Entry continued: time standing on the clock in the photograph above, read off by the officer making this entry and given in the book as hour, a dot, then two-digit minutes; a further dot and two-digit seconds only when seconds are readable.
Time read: 10.45
